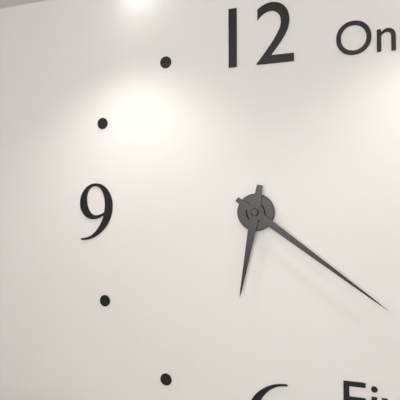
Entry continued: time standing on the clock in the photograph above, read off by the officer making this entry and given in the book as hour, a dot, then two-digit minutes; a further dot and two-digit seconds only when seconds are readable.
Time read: 6.21
